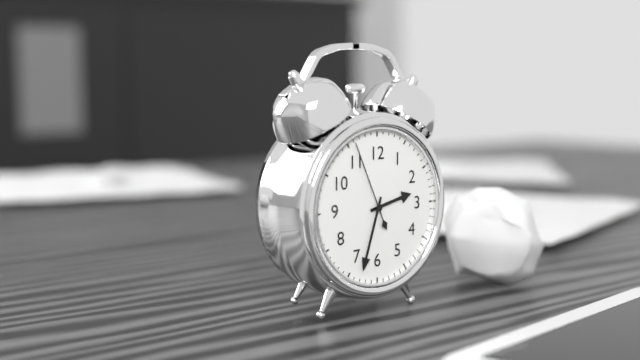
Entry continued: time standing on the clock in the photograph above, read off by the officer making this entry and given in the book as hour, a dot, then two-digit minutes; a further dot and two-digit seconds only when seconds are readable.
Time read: 2.33.56
